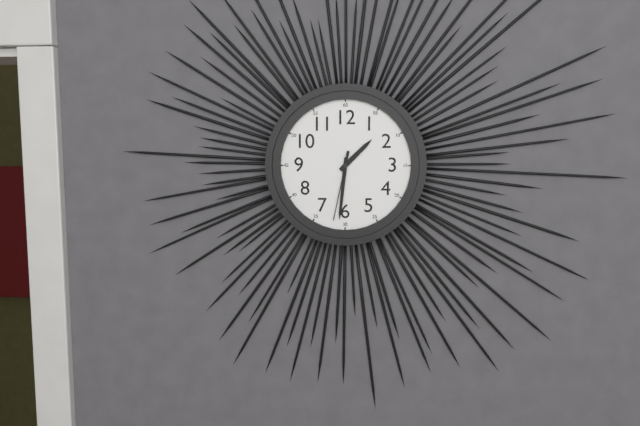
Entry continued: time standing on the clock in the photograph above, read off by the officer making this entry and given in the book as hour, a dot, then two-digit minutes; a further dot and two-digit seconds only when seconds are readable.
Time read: 1.31.32
